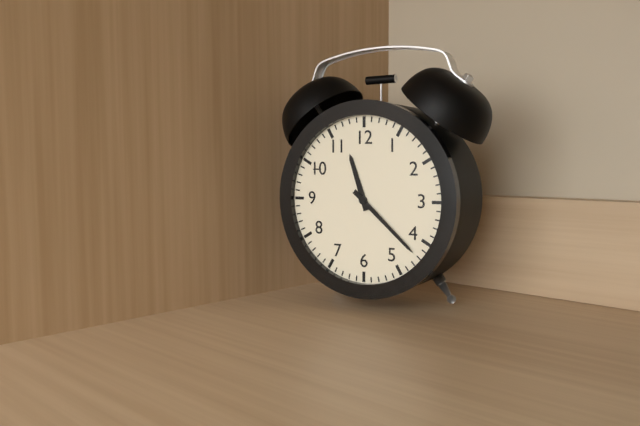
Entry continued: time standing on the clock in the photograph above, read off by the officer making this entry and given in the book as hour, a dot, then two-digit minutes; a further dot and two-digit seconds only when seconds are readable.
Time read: 11.22
